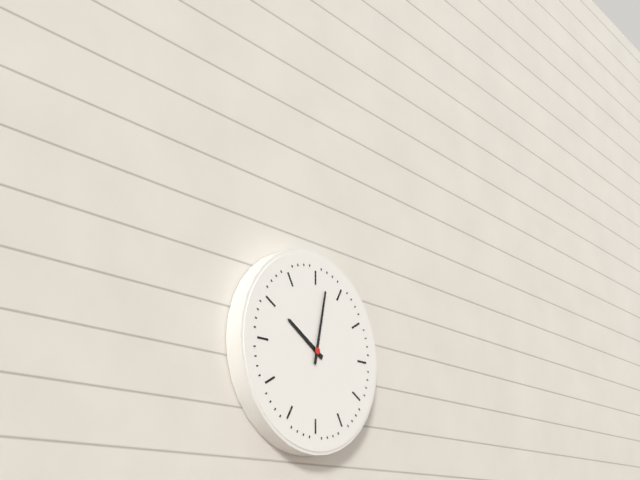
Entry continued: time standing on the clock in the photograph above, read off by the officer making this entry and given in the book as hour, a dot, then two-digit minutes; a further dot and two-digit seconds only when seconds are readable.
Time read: 10.02
